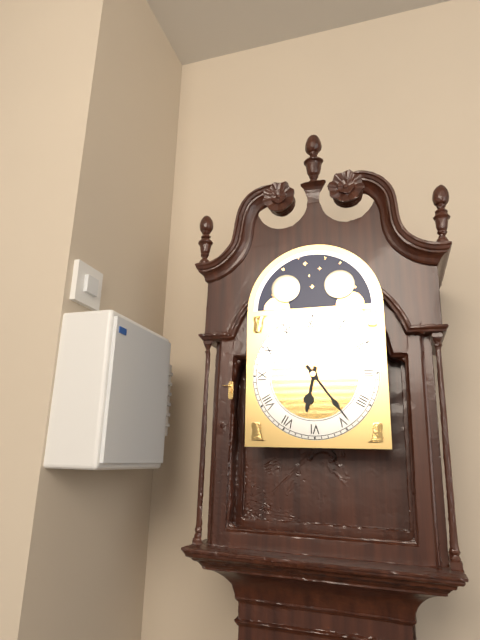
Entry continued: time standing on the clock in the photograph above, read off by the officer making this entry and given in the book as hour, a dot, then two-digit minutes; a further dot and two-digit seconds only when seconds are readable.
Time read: 6.24
